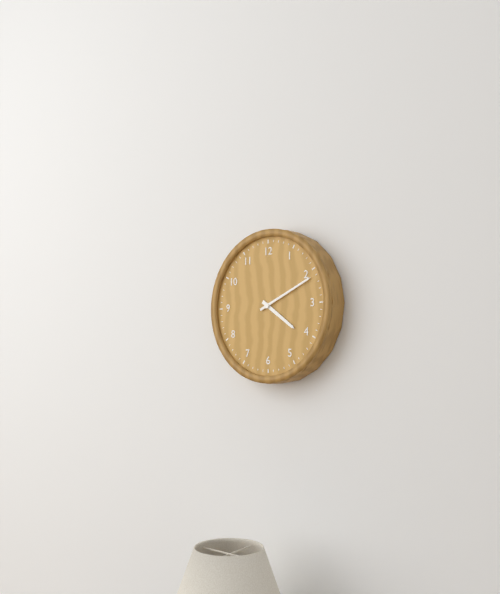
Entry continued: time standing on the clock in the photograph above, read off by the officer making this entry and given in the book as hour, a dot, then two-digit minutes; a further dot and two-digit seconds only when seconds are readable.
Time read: 4.11
